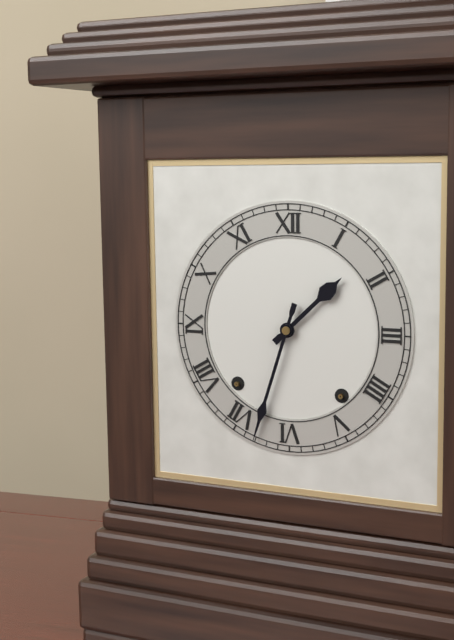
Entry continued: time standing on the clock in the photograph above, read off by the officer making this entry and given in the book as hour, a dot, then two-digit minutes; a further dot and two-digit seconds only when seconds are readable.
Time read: 1.33
